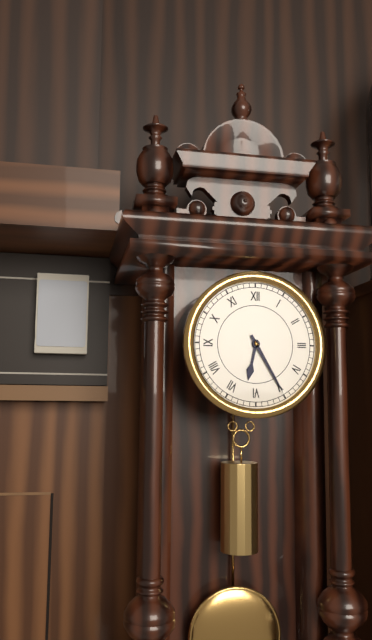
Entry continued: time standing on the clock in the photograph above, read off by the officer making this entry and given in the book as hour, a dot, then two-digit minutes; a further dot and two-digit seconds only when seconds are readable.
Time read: 6.25
